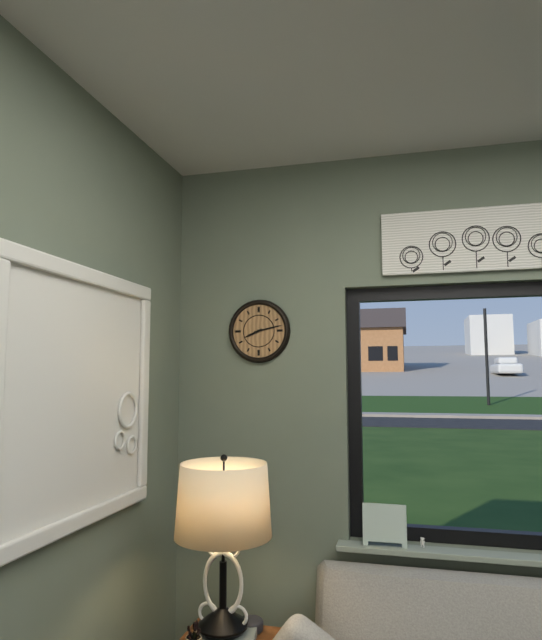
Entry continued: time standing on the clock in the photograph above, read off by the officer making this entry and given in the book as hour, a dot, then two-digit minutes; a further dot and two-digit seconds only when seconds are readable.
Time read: 8.13
